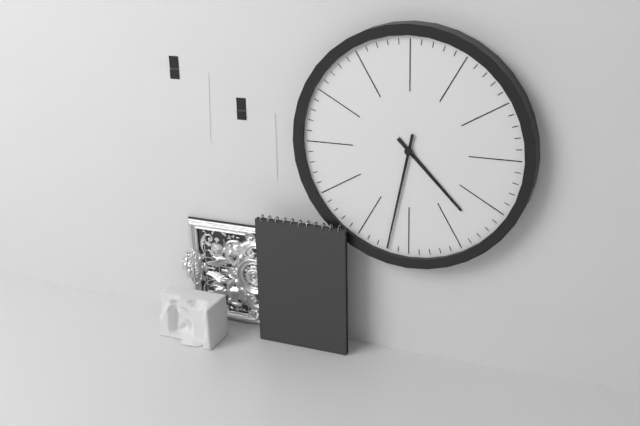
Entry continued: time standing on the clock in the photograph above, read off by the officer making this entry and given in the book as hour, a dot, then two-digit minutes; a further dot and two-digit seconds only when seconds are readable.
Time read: 4.32
